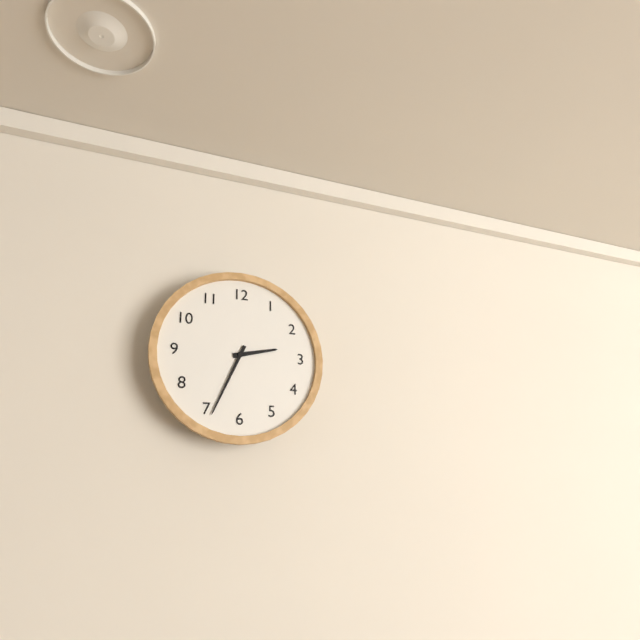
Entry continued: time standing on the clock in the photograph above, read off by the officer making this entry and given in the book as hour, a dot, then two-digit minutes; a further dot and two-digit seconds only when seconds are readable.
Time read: 2.34
